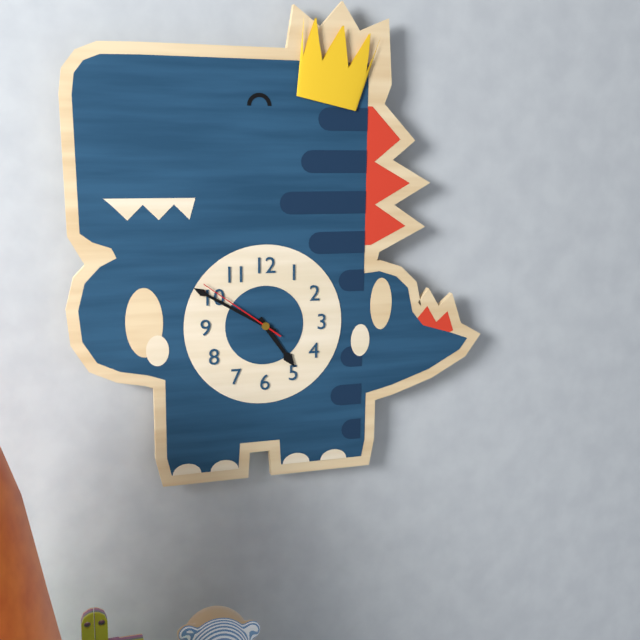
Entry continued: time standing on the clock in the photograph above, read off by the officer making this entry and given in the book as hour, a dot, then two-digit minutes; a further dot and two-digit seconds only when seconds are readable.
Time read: 4.50.51
